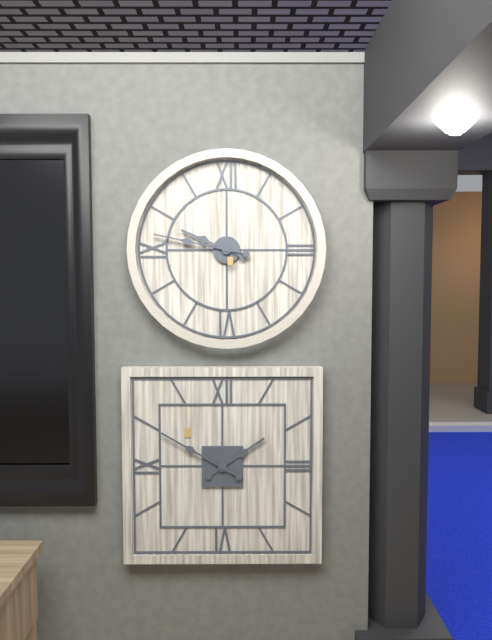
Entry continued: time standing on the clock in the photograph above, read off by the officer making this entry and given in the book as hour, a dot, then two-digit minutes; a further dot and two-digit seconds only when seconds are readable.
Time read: 9.47
